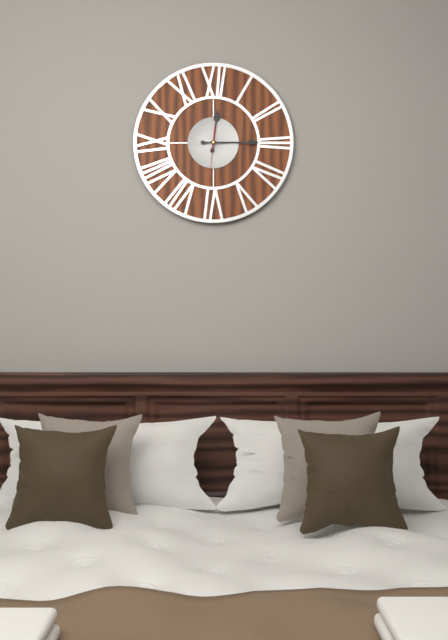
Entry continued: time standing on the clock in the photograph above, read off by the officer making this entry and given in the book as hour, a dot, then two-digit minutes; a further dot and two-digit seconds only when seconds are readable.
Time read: 12.15.31
